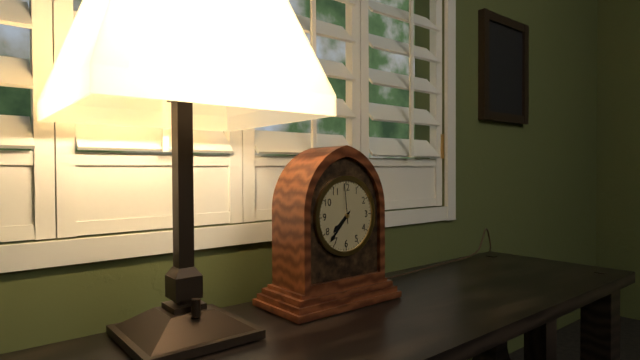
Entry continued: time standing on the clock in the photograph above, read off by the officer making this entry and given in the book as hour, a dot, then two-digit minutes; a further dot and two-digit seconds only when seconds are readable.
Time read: 7.37
